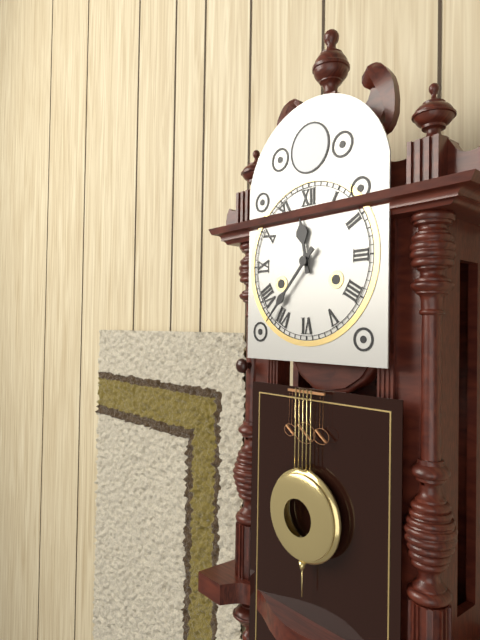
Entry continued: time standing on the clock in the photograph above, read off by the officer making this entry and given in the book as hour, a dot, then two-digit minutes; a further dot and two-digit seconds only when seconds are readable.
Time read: 11.37
